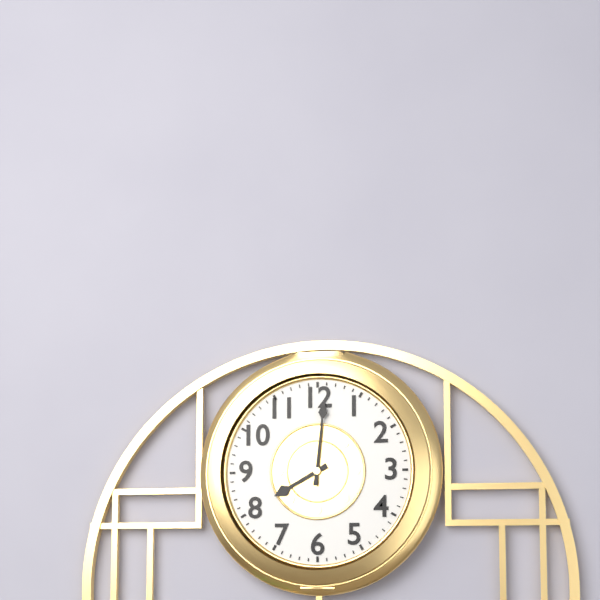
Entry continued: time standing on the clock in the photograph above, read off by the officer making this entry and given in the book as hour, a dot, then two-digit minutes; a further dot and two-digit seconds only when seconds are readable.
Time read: 8.01
